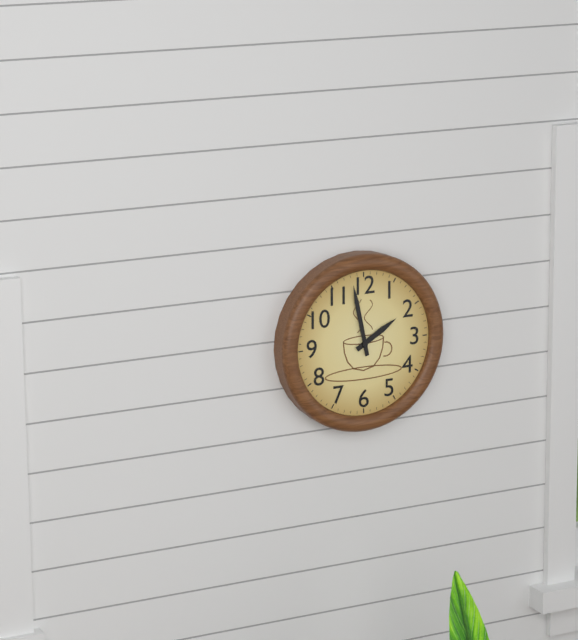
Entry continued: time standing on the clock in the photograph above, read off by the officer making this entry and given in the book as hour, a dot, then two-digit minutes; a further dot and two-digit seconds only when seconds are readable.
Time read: 1.58
